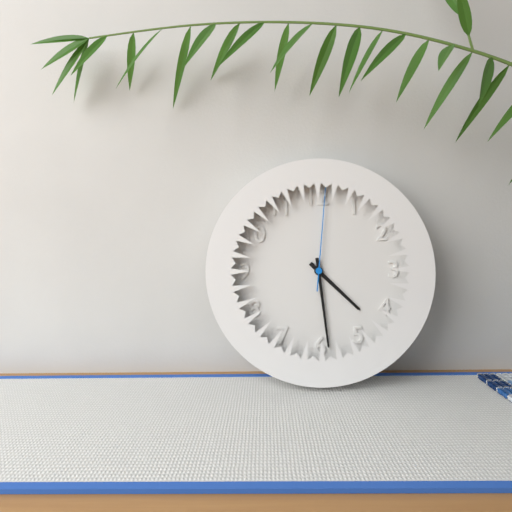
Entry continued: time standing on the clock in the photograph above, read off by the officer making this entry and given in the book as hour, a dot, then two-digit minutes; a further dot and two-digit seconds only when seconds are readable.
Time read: 4.29.01
